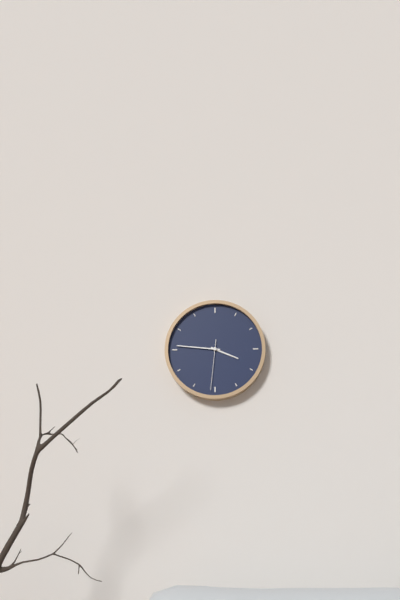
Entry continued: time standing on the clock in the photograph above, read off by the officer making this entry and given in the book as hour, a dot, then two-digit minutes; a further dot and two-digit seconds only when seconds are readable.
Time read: 3.46.31
